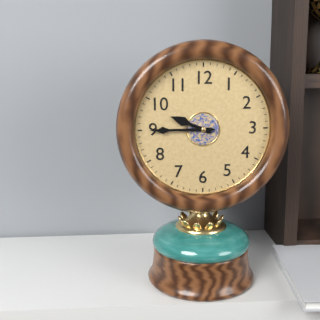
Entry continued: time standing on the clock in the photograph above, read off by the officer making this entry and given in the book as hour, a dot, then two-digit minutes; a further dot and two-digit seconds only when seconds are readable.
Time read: 9.45
